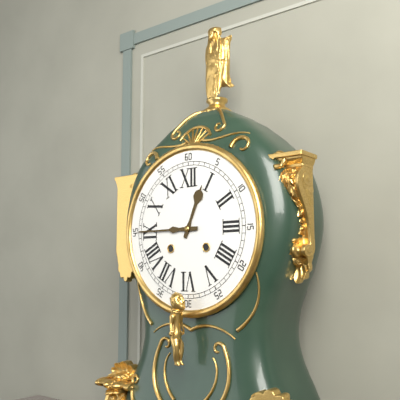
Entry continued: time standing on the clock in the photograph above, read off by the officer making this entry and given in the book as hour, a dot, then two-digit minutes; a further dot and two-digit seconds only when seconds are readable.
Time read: 12.45
